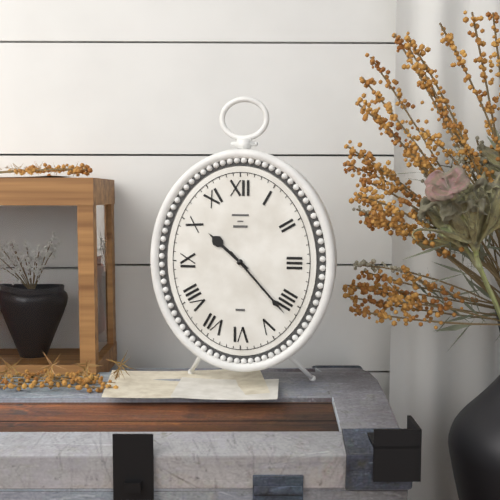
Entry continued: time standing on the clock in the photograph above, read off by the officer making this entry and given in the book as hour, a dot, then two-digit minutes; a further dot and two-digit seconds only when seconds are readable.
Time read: 10.23
